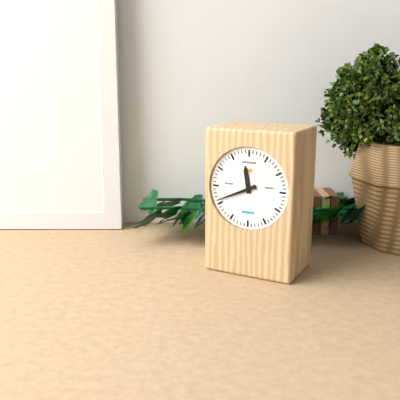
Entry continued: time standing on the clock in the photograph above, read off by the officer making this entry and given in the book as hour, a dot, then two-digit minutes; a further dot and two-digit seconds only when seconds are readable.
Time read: 11.41
